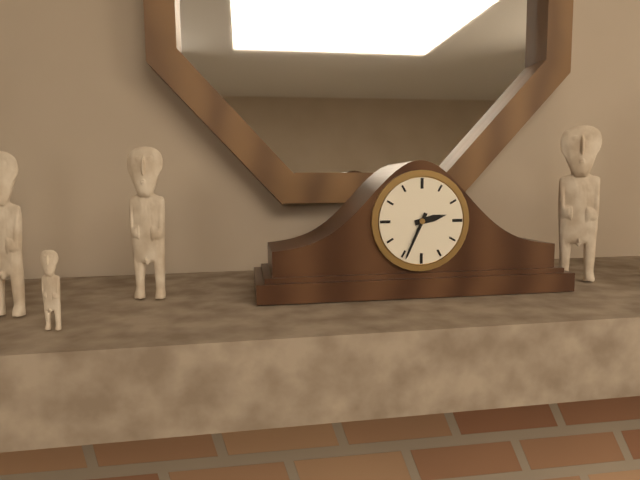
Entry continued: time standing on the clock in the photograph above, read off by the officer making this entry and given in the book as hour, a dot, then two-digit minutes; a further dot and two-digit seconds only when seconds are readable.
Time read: 2.34
